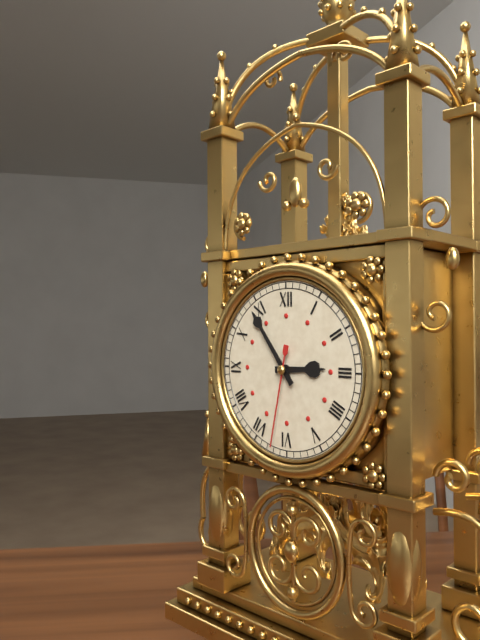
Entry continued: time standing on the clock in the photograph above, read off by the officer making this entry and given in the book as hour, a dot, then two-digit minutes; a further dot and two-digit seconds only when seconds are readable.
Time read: 2.54.32
